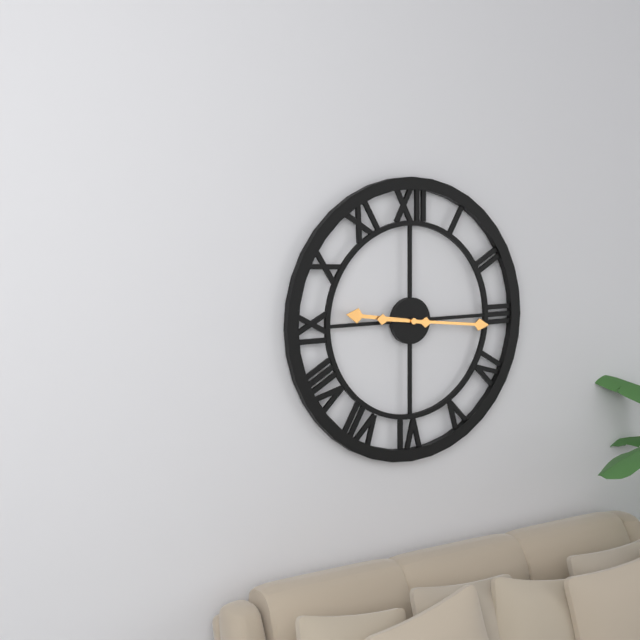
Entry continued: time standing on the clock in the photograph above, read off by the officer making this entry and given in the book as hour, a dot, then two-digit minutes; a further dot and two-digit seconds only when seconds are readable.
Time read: 9.16
